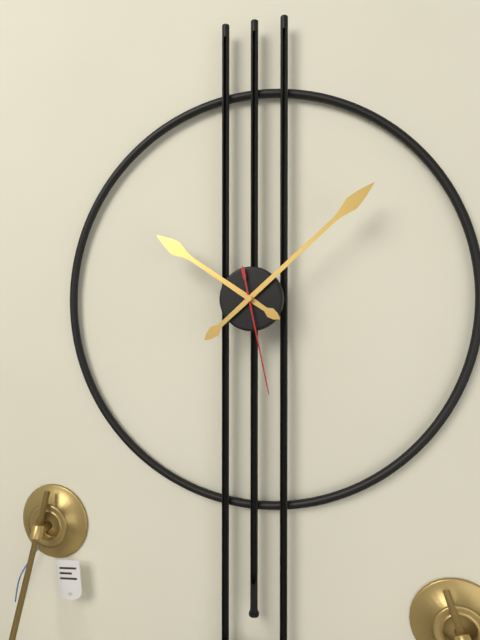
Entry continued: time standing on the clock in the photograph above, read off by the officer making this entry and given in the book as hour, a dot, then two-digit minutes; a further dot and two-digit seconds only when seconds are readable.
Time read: 10.08.28
